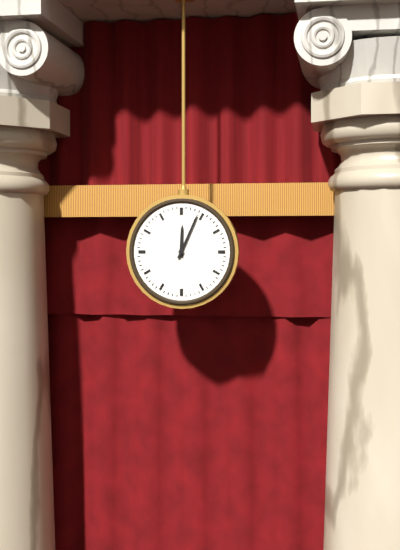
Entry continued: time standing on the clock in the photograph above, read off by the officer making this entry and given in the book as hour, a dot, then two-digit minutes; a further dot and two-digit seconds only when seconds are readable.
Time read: 12.04
